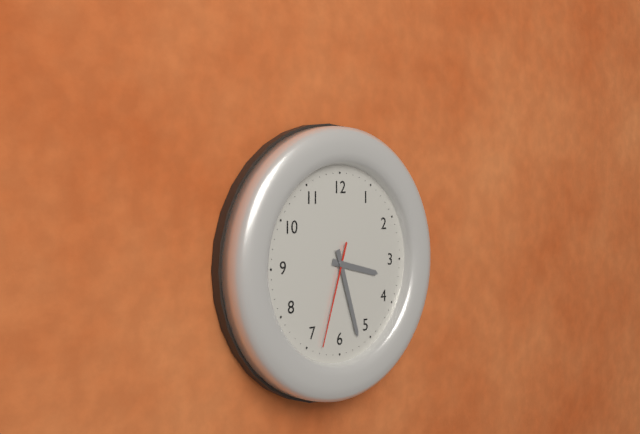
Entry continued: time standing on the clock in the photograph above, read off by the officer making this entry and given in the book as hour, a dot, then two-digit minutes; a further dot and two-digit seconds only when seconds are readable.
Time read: 3.27.33
